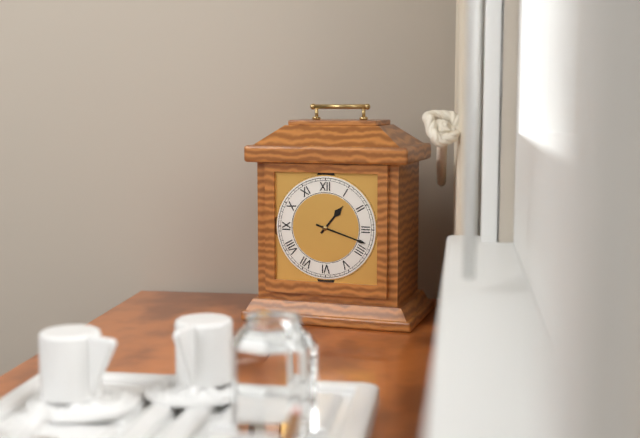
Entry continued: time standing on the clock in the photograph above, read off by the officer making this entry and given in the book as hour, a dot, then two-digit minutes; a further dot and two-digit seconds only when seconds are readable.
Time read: 1.18
